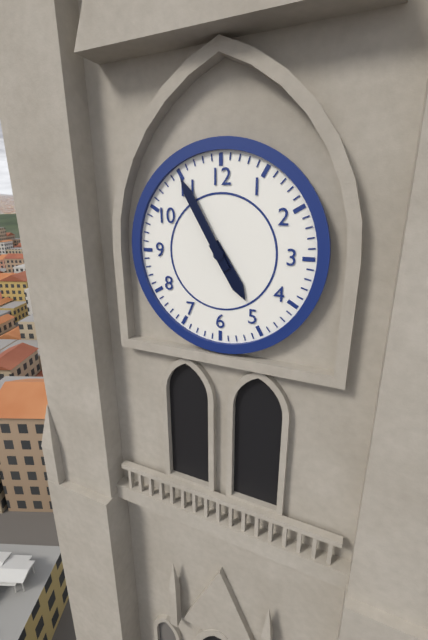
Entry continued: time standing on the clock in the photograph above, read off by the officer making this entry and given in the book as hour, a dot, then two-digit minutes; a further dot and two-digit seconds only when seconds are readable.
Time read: 4.55
